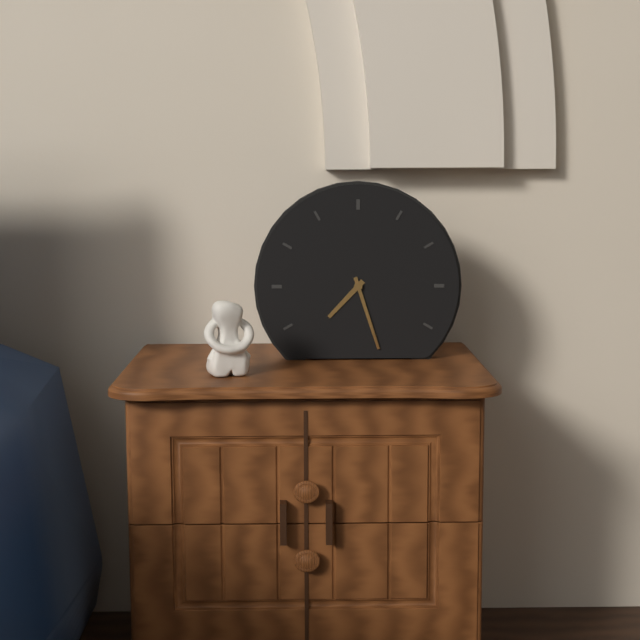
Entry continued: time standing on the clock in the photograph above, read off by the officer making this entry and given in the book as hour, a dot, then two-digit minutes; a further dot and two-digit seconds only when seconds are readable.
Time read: 7.27
